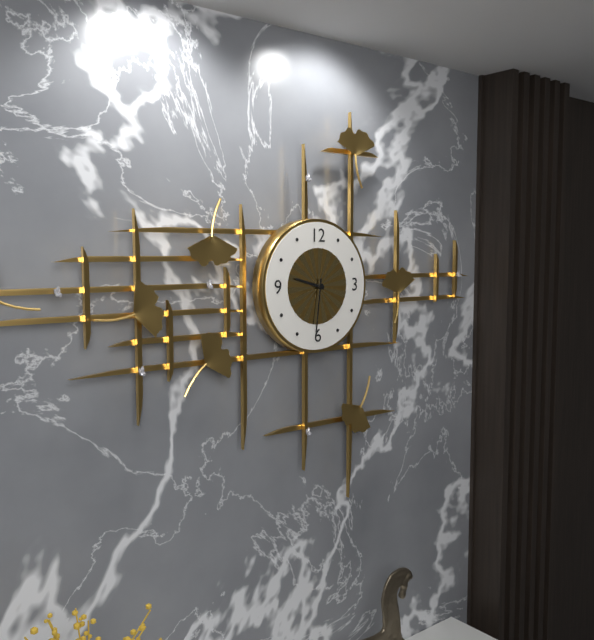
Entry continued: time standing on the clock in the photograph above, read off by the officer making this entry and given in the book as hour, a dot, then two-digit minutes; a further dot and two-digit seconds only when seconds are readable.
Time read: 9.31
